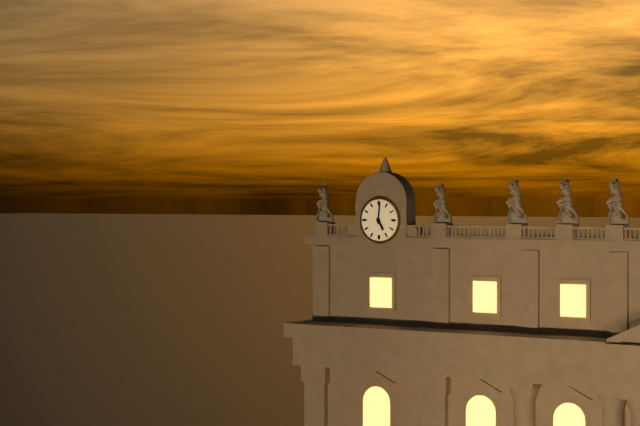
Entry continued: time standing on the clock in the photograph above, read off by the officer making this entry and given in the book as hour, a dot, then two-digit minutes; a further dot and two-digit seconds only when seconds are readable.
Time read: 5.01
